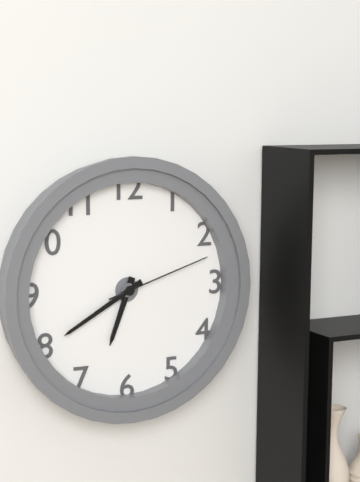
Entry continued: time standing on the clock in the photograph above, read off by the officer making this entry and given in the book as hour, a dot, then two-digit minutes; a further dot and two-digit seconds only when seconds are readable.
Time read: 6.40.12
